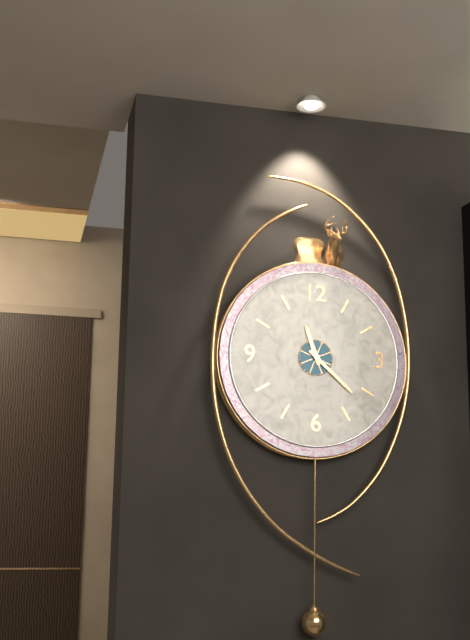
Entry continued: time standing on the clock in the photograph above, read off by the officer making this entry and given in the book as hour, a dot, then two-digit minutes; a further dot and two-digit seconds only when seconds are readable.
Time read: 11.22
